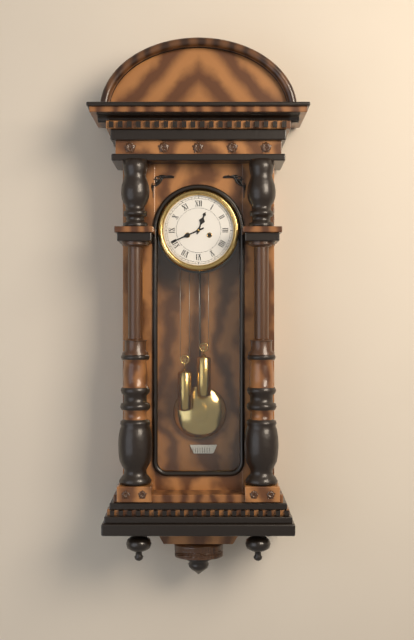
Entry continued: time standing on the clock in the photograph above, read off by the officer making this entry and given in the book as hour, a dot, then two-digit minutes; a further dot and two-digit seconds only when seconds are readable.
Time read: 12.41
